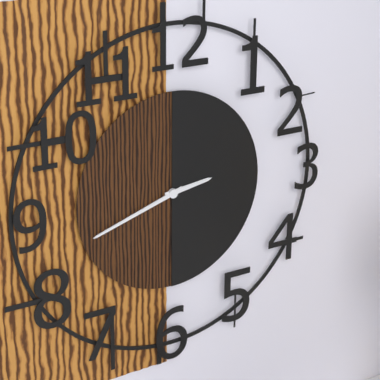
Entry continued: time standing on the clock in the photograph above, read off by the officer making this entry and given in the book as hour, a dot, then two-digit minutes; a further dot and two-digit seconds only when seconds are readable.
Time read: 2.42
